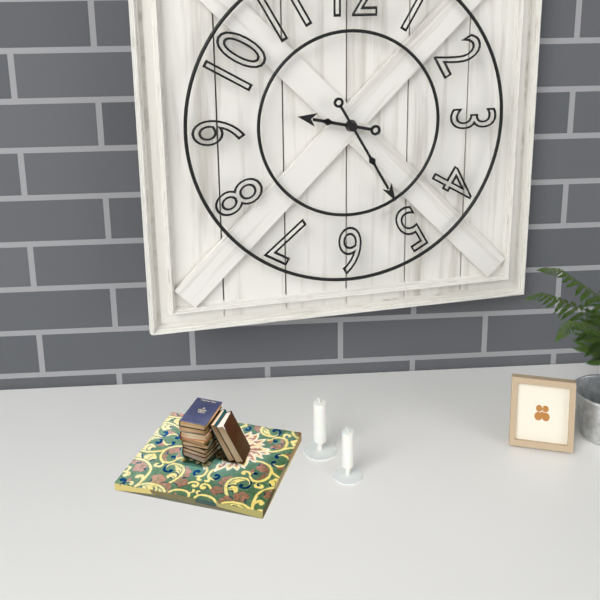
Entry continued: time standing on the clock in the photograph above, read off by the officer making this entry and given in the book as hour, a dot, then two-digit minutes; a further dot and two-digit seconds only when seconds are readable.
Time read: 9.25
